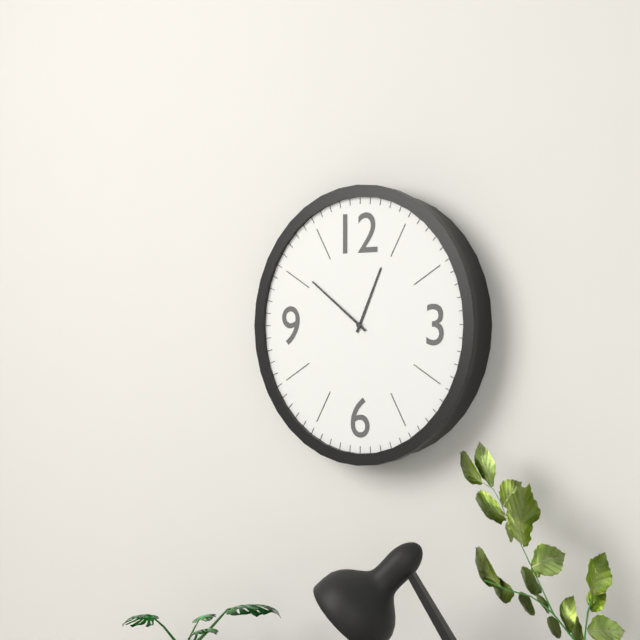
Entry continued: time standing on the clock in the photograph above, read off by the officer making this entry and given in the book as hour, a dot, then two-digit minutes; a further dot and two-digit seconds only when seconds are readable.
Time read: 12.51
